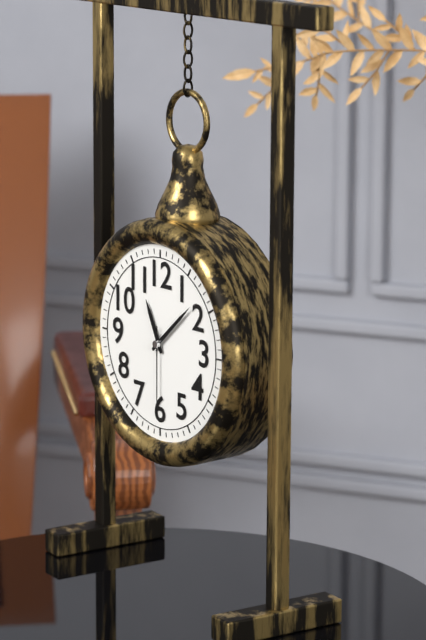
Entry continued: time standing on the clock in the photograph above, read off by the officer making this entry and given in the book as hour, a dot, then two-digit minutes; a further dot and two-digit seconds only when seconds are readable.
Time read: 11.08.30
